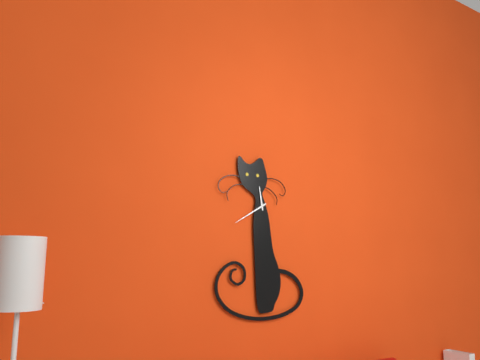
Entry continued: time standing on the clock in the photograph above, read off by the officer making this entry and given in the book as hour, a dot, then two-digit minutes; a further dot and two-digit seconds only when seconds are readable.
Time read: 11.40
